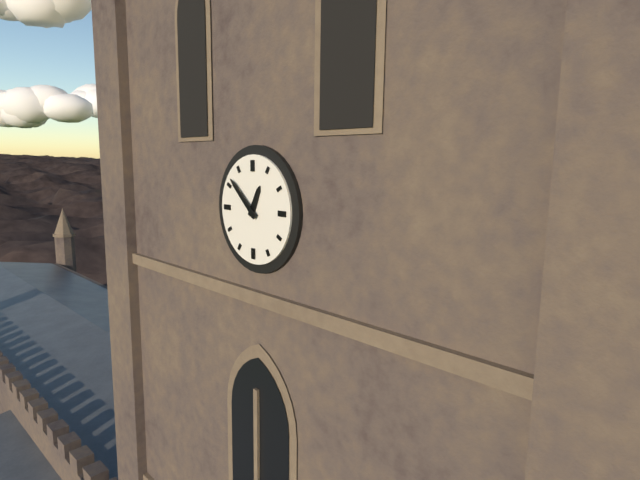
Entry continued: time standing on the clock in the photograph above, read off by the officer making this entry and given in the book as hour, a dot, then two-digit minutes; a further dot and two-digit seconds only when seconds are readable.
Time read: 12.52
